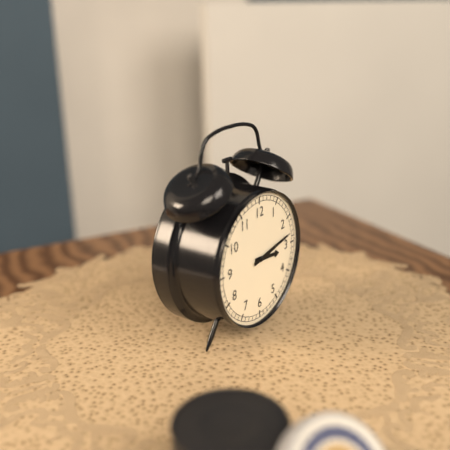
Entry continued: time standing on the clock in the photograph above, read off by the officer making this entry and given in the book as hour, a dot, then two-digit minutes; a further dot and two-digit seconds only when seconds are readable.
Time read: 3.13
